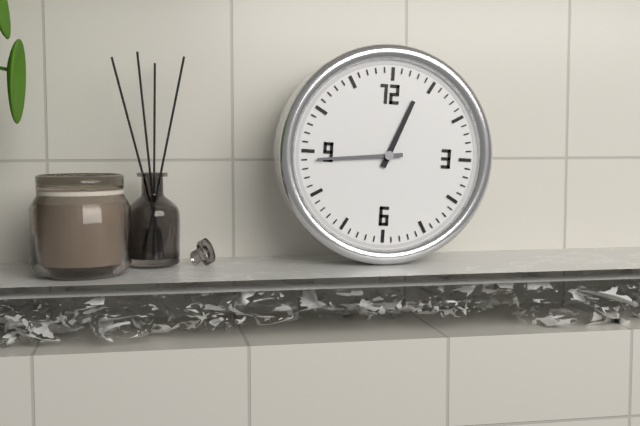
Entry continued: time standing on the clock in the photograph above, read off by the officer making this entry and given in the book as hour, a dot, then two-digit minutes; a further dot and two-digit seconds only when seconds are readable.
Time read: 12.44
